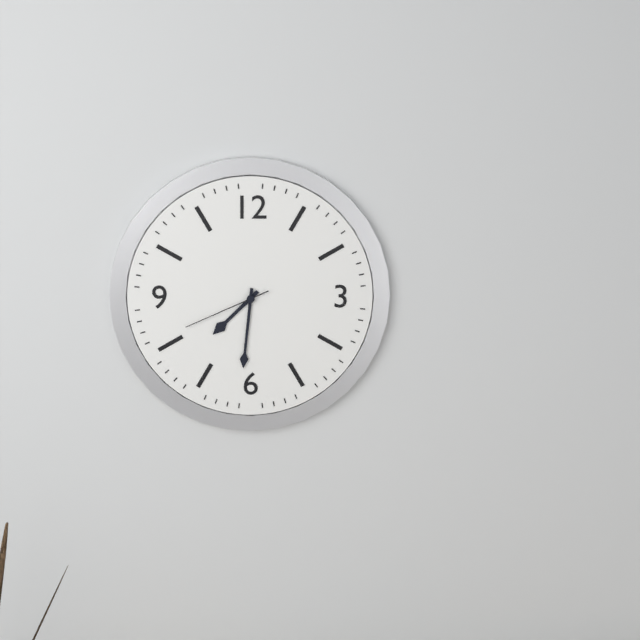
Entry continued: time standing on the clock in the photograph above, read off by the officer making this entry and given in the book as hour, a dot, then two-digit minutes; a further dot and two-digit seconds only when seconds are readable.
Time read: 7.31.41
